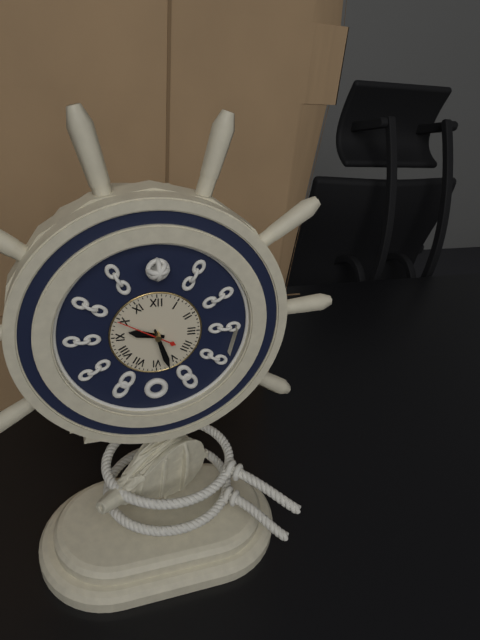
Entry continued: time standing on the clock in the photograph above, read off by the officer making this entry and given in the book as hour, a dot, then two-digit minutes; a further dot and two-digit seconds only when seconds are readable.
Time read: 9.27
